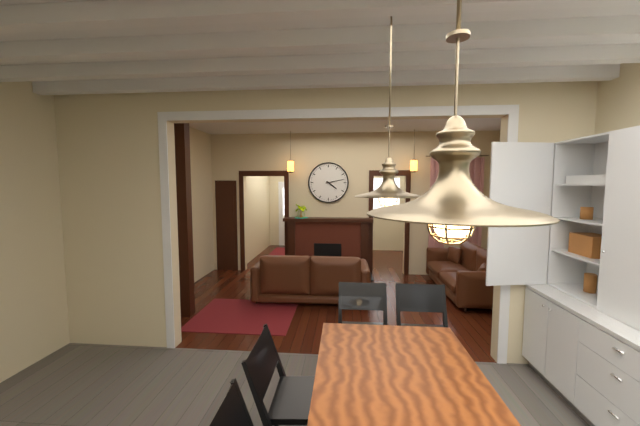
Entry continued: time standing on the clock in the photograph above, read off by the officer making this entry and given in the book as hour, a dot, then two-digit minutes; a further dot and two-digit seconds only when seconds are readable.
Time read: 4.13
